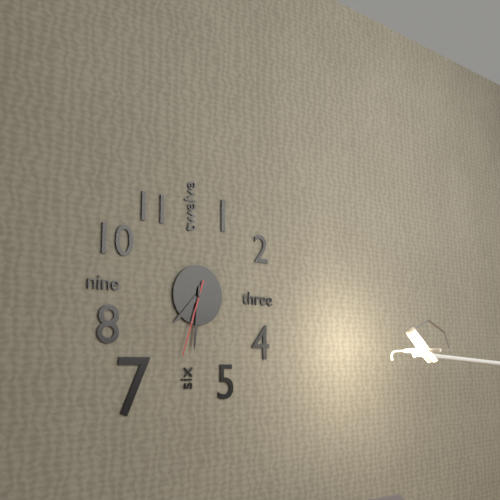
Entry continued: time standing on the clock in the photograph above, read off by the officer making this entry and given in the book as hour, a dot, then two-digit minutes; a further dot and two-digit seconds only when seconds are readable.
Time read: 7.31.33
